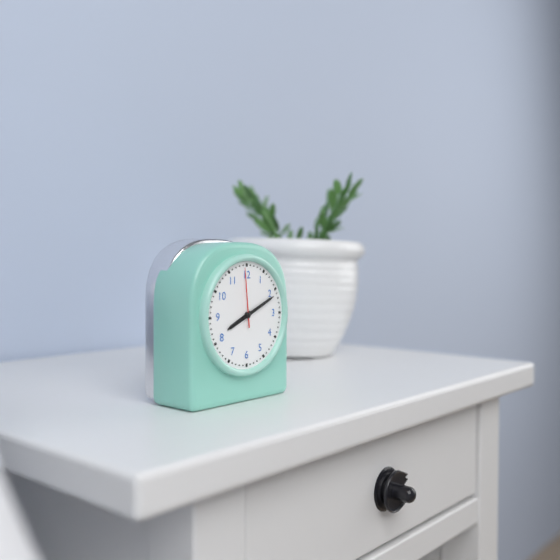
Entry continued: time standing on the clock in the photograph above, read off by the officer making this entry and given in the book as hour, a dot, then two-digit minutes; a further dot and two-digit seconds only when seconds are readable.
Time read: 8.11.59
